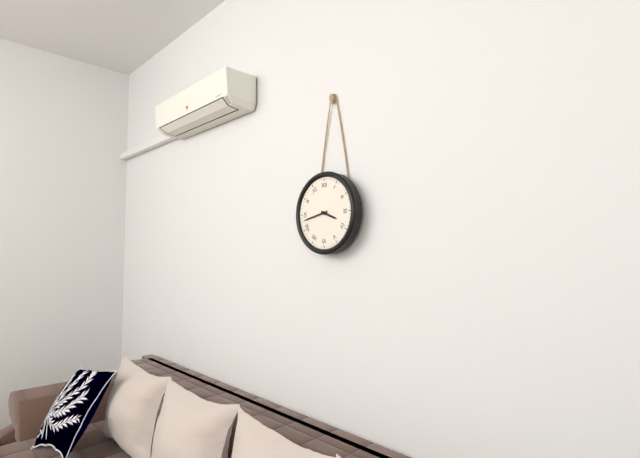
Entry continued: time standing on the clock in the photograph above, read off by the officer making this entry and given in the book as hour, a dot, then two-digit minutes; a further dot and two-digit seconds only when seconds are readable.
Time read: 3.43
